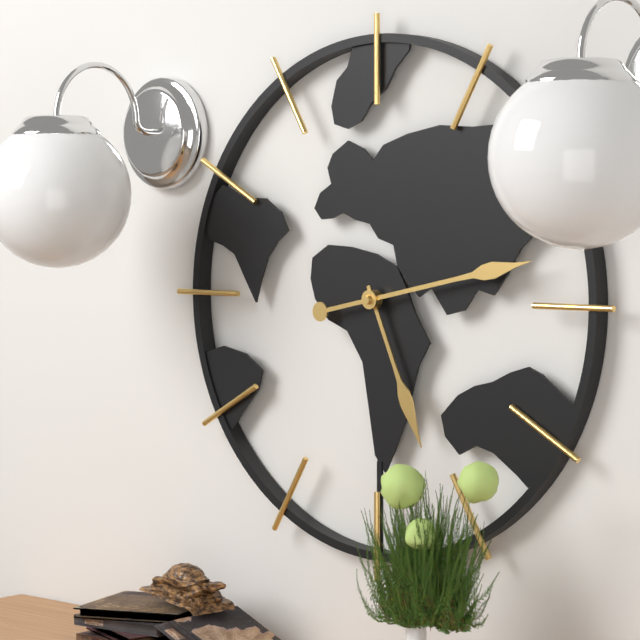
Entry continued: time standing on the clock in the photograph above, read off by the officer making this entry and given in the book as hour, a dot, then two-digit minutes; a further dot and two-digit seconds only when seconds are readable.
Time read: 5.13
